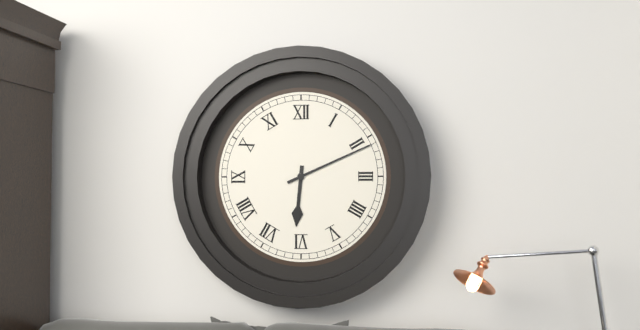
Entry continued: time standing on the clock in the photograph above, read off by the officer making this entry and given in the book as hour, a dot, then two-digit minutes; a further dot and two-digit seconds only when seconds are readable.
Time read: 6.11
